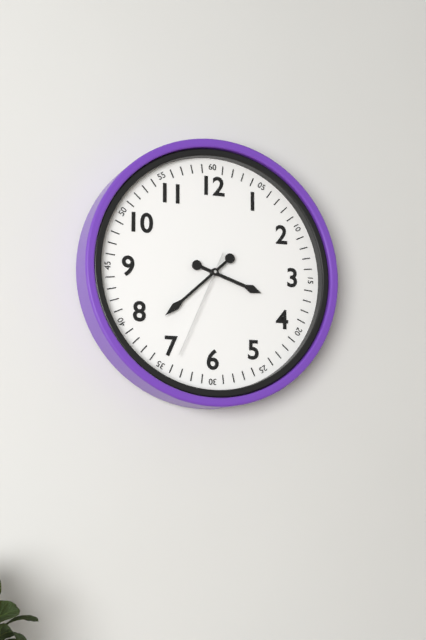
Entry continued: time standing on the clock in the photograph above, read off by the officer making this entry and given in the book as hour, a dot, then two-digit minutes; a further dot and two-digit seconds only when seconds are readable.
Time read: 3.38.34
